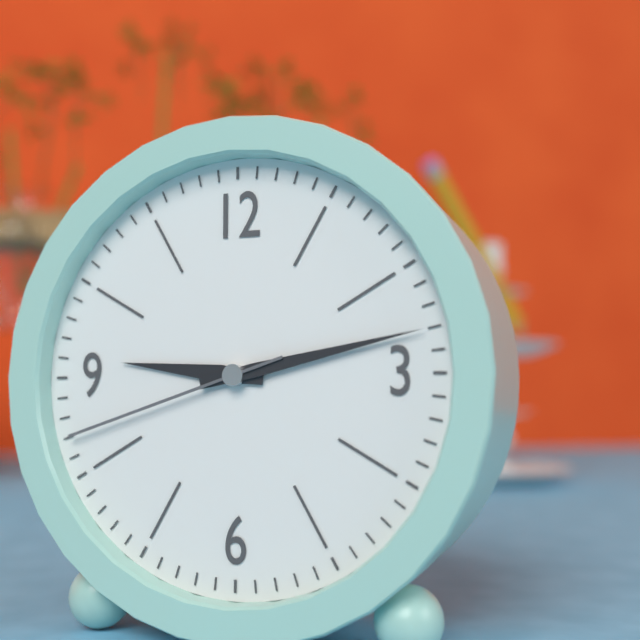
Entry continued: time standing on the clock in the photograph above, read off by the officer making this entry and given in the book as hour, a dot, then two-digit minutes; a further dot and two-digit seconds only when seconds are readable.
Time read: 9.13.42
